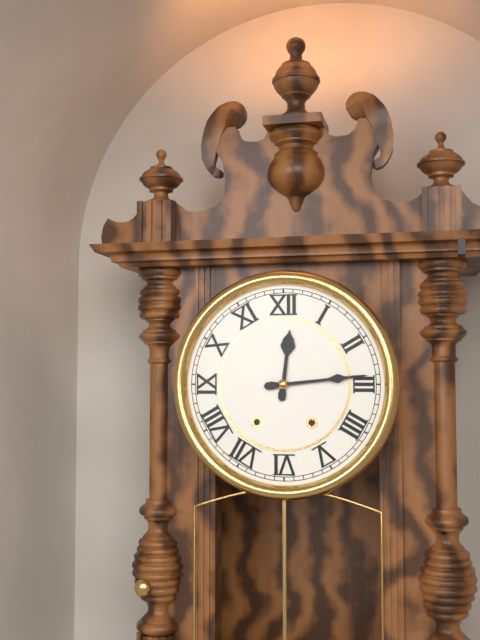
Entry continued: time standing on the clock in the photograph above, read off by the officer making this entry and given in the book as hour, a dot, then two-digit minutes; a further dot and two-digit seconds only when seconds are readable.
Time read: 12.14
